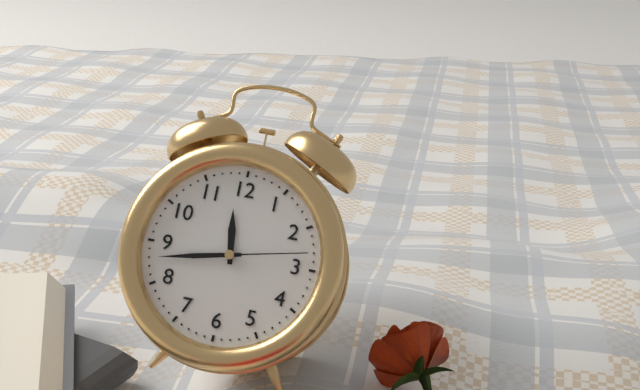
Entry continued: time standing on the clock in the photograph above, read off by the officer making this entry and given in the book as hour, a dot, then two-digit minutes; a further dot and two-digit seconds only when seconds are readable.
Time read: 11.43.13
